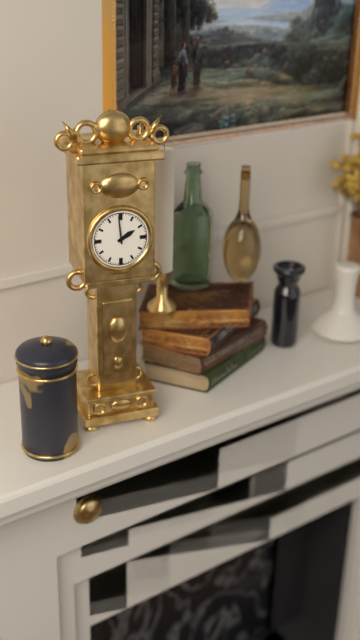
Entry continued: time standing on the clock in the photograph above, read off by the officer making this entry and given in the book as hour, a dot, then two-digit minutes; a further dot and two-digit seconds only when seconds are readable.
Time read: 1.59
